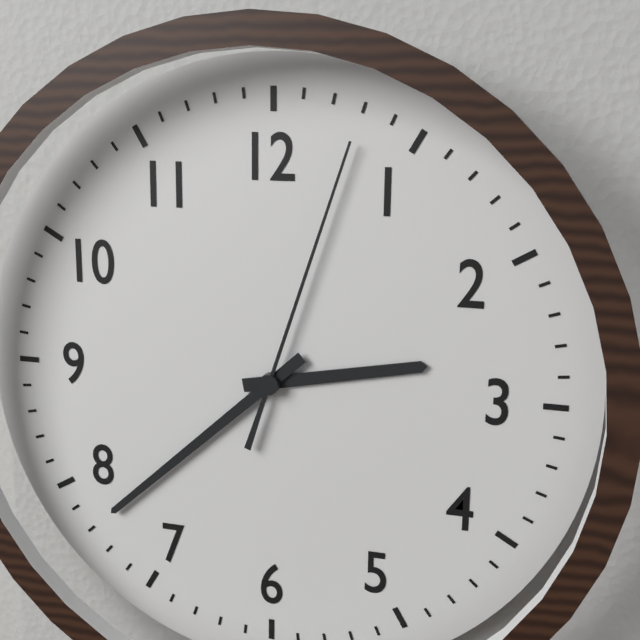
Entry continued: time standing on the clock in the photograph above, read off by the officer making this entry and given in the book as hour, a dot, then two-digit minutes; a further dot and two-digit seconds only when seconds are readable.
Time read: 2.38.03
